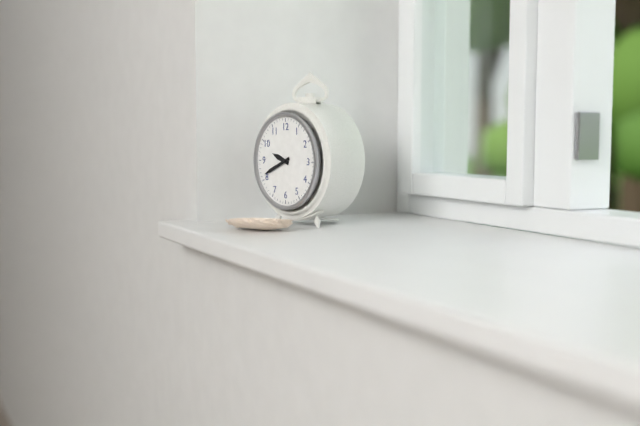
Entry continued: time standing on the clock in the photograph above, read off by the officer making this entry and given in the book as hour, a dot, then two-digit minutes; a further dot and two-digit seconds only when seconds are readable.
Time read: 9.41
